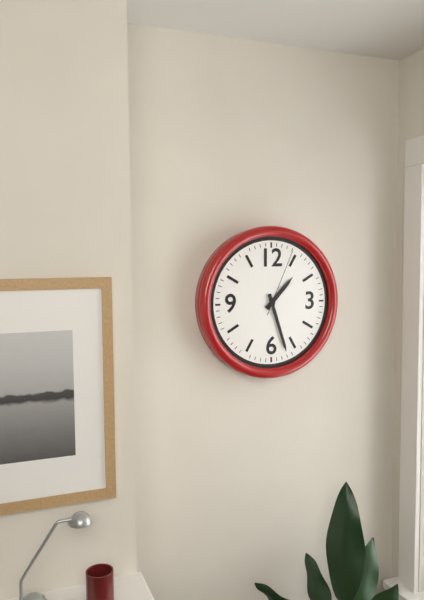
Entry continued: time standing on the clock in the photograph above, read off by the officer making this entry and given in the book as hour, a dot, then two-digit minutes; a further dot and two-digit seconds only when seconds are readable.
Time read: 1.27.04
